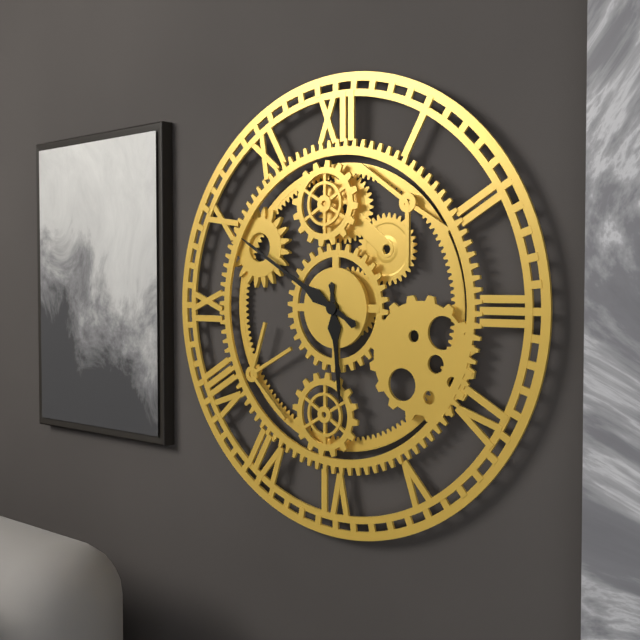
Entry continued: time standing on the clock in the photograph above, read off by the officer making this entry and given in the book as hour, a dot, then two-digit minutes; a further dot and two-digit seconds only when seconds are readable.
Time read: 5.50
